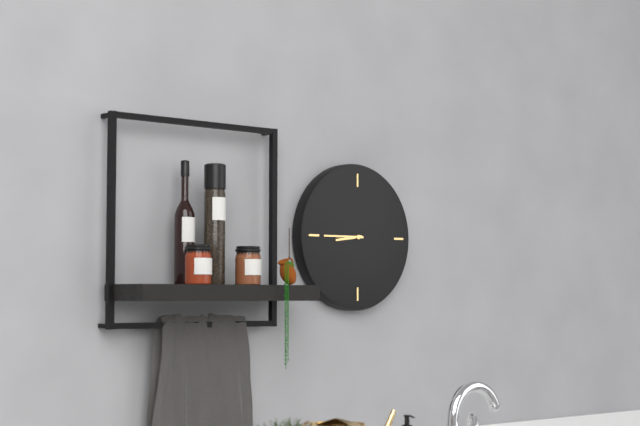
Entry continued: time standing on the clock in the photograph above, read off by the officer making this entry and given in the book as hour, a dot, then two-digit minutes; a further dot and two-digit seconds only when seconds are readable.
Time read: 8.45
